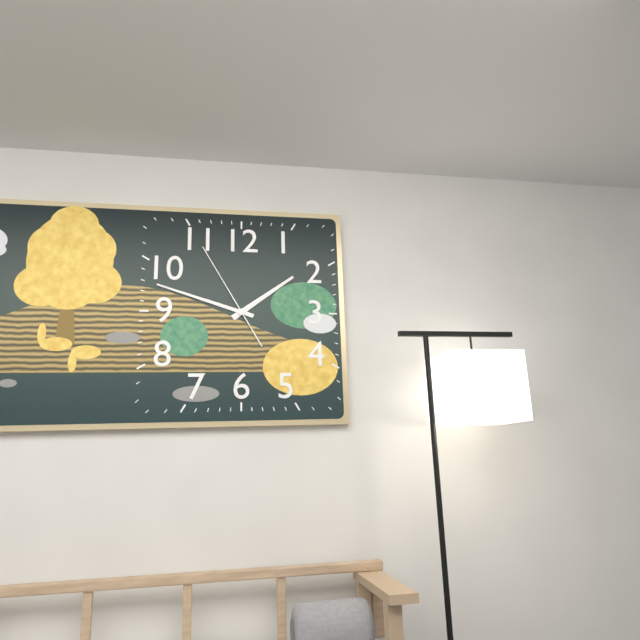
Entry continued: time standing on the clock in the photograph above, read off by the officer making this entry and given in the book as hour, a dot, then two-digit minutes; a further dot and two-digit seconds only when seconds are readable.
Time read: 1.48.55
